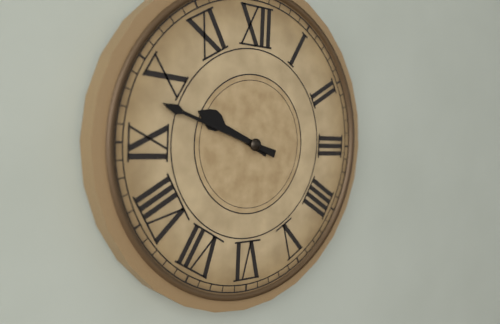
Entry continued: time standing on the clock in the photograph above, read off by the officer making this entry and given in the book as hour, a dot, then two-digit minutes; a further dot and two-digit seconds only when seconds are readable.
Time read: 9.48
